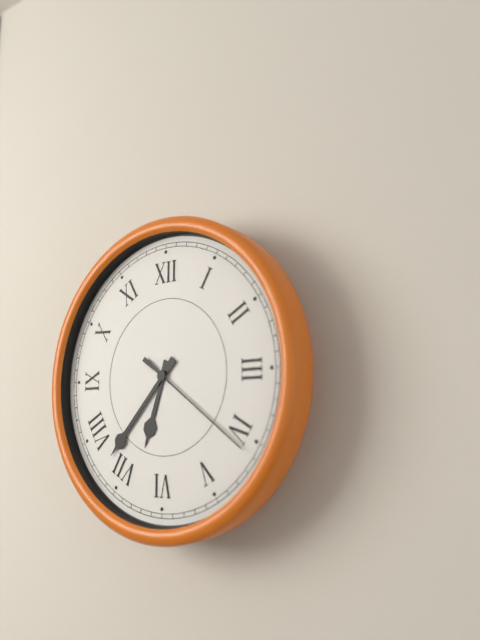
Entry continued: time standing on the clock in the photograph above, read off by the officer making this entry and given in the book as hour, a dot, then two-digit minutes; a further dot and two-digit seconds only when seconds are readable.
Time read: 6.37.21
